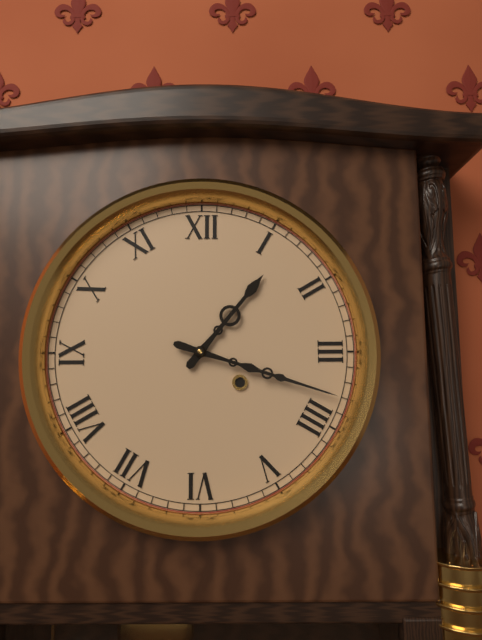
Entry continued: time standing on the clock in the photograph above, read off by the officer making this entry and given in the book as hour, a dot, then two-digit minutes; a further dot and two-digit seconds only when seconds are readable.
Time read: 1.18
